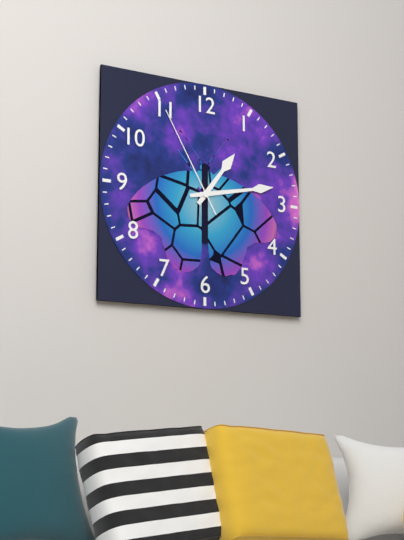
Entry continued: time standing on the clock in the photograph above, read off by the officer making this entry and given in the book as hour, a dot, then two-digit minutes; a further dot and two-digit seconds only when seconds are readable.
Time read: 1.13.55
